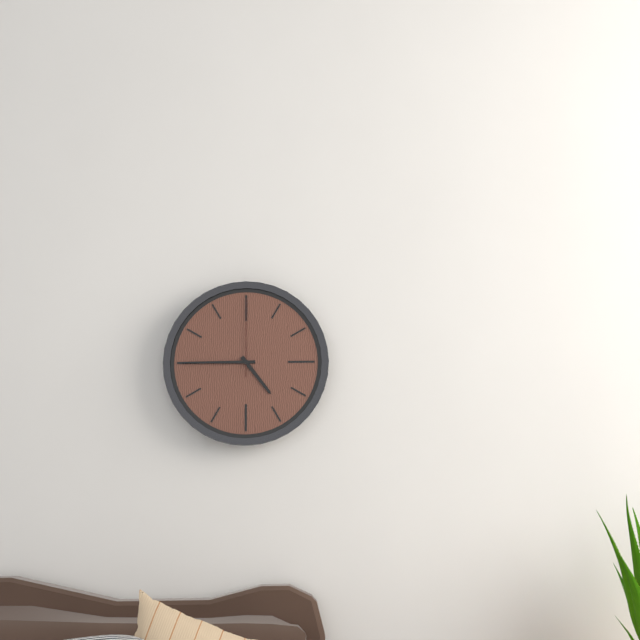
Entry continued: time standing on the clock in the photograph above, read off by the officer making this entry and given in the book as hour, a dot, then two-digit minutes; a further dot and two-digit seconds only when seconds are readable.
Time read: 4.45.00
